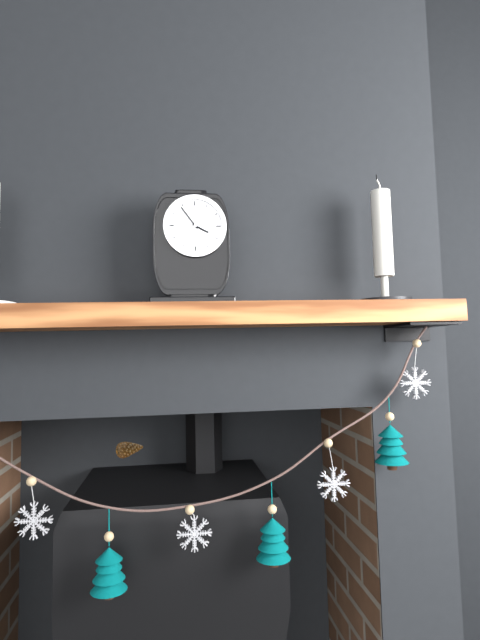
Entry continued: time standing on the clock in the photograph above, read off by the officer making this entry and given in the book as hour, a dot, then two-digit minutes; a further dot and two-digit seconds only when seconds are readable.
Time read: 3.54
